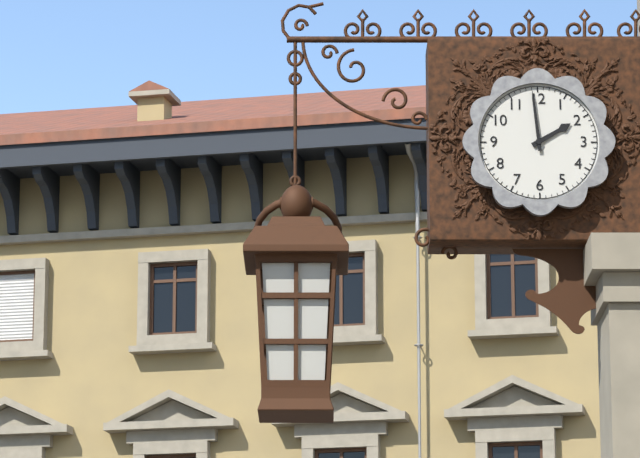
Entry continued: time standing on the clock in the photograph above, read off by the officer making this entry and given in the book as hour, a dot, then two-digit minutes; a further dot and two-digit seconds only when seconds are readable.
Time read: 1.59
